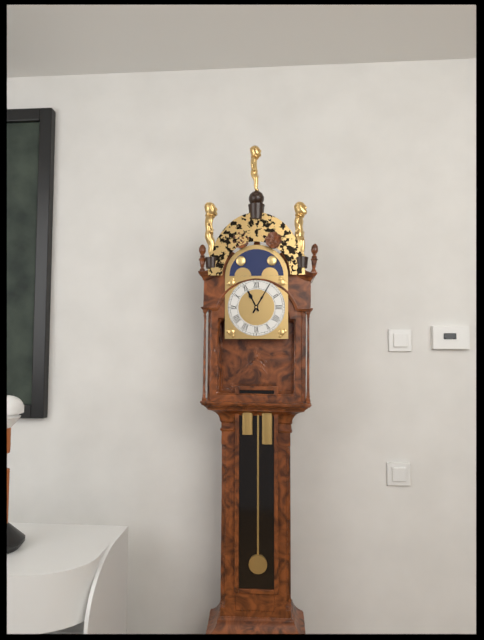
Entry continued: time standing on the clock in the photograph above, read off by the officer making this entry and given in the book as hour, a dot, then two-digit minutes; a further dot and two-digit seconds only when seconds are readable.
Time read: 11.05
